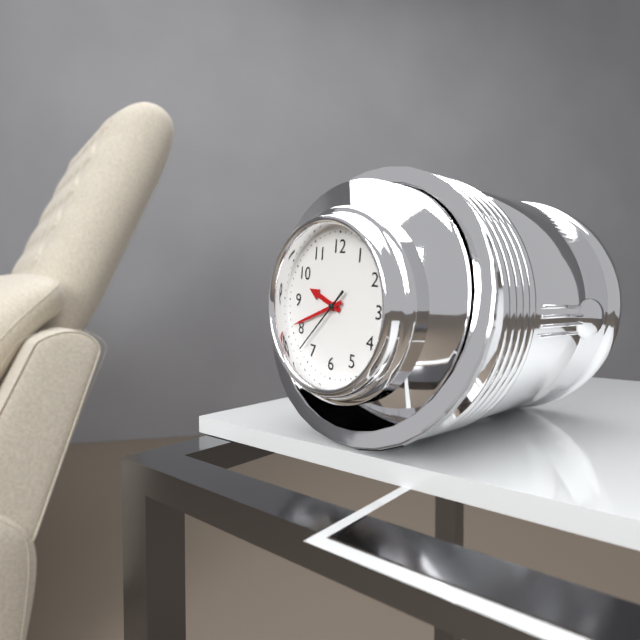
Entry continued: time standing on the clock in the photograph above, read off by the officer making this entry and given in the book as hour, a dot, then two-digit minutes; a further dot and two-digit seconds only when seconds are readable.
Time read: 9.41.37
